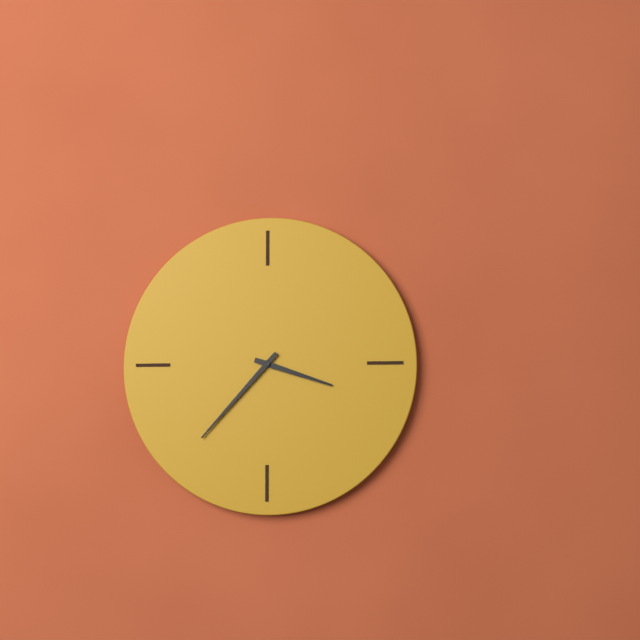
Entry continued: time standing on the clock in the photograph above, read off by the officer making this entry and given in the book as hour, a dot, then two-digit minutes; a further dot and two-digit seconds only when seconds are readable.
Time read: 3.37
